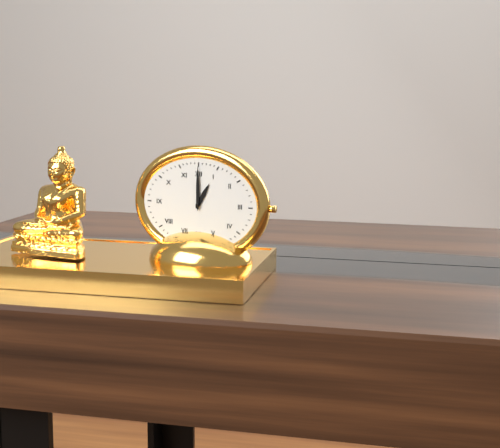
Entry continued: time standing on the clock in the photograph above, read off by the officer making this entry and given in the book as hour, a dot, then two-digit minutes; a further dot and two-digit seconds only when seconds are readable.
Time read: 1.00
